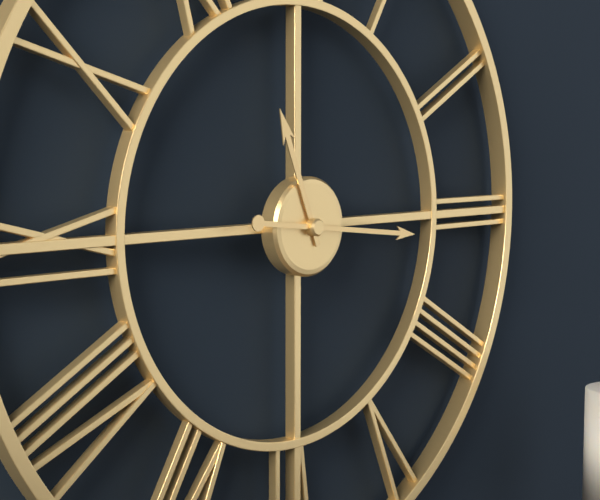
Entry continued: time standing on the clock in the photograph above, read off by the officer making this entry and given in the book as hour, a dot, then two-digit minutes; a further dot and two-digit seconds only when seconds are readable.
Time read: 11.16
